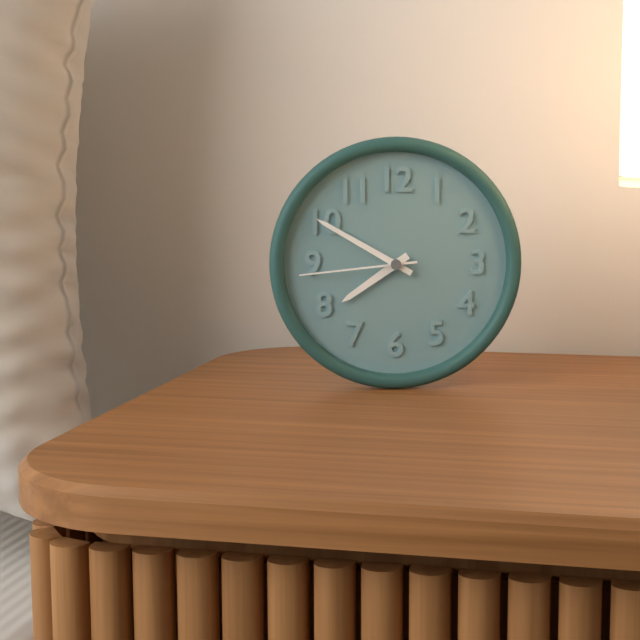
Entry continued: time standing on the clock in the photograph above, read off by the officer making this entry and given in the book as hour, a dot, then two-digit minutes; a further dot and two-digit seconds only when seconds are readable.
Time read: 7.50.44
